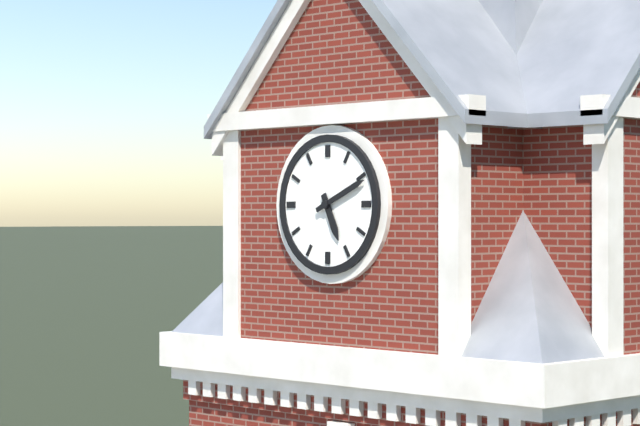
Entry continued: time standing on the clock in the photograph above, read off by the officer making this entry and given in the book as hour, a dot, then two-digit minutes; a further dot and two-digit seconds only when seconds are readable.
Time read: 5.11
